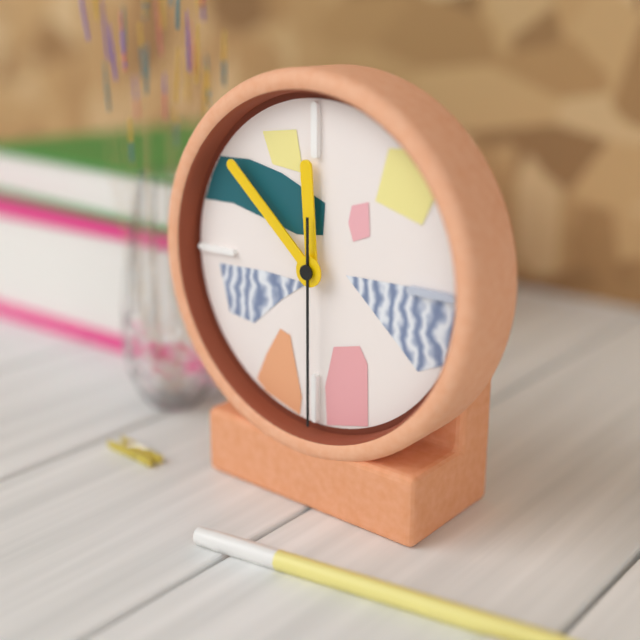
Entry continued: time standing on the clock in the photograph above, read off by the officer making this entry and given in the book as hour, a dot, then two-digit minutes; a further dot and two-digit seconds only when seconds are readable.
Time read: 11.52.30
